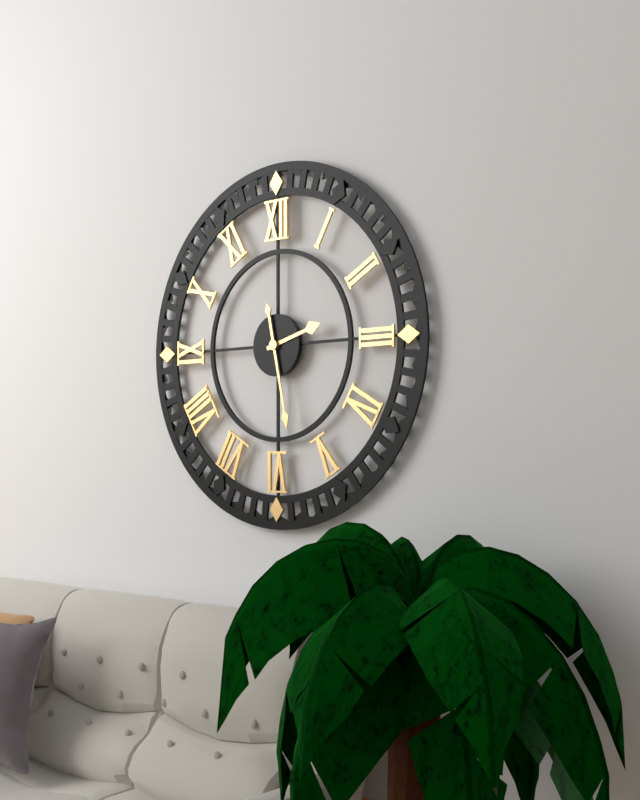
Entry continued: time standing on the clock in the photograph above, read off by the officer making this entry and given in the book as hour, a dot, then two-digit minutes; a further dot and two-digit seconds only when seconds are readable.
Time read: 2.28
